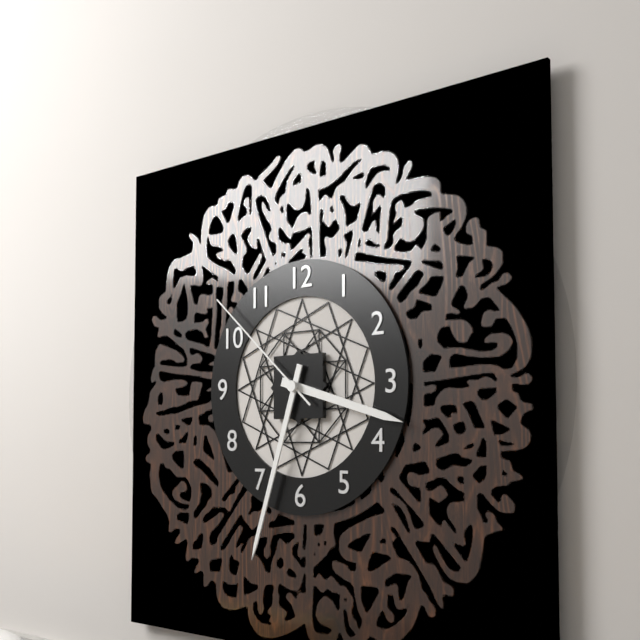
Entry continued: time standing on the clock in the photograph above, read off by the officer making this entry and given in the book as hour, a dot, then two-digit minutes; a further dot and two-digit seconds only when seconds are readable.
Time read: 3.33.52
